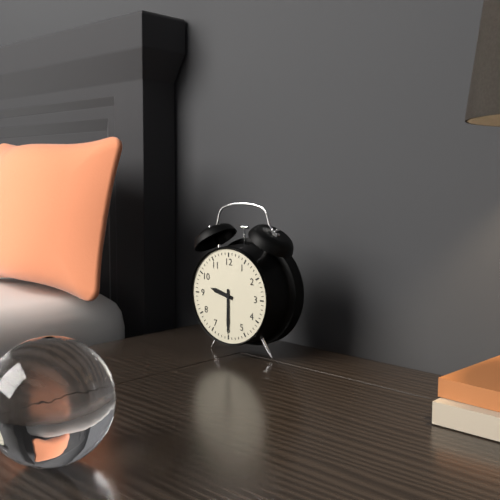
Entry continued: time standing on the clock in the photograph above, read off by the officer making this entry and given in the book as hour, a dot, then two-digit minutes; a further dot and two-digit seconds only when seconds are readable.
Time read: 9.30
